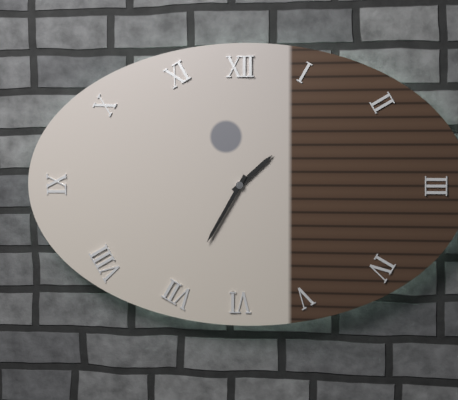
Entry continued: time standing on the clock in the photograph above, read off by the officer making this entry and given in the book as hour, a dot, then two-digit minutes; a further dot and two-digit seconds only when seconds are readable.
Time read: 1.35
